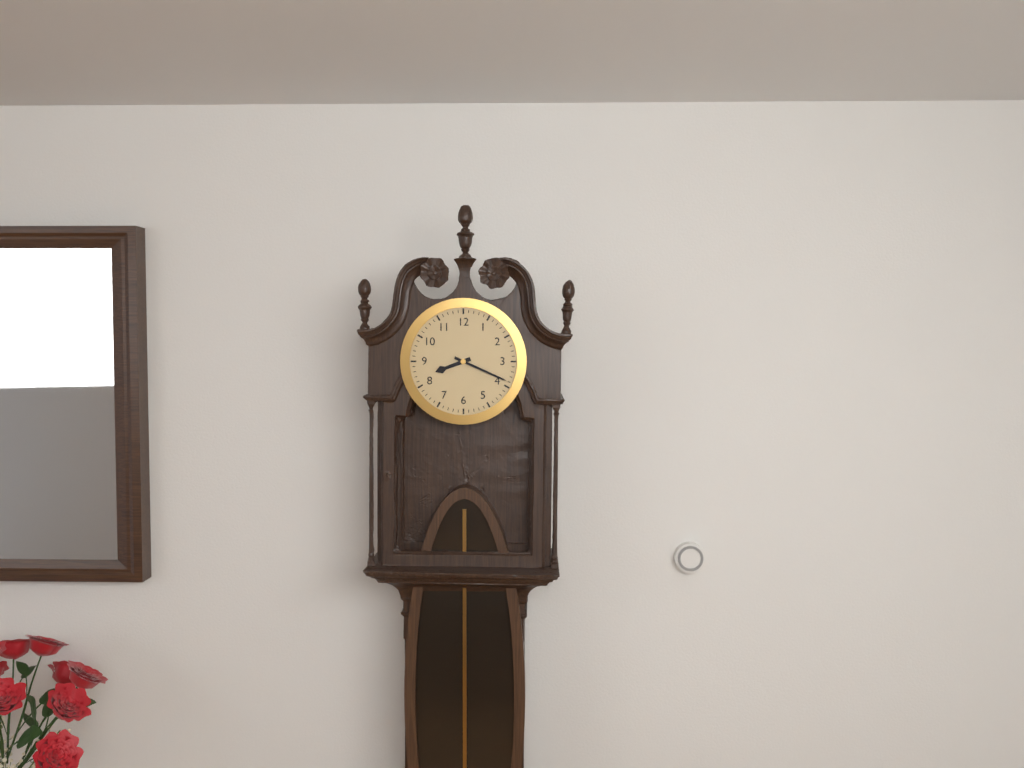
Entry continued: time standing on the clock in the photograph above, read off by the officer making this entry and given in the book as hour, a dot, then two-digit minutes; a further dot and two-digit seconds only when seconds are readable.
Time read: 8.19
